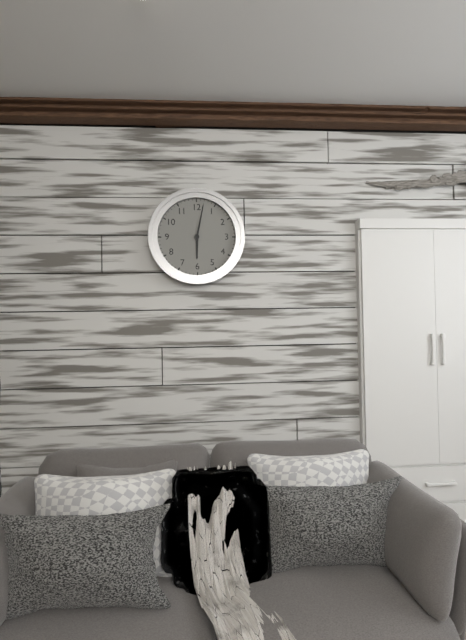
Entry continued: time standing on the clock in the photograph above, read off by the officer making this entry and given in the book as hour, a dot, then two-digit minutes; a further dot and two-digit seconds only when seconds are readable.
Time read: 6.02
